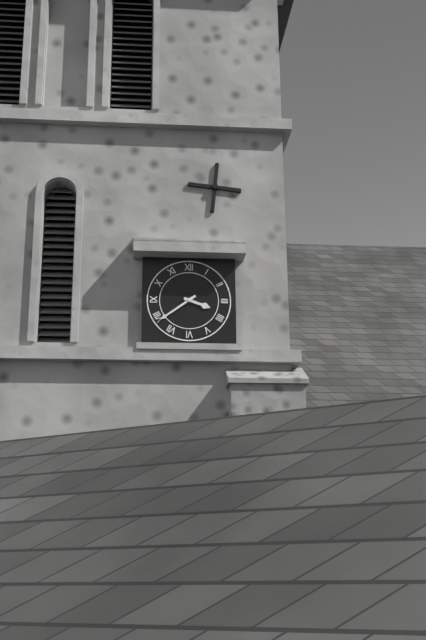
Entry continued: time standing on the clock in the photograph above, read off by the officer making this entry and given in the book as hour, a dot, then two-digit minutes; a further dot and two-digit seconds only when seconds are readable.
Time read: 3.39
